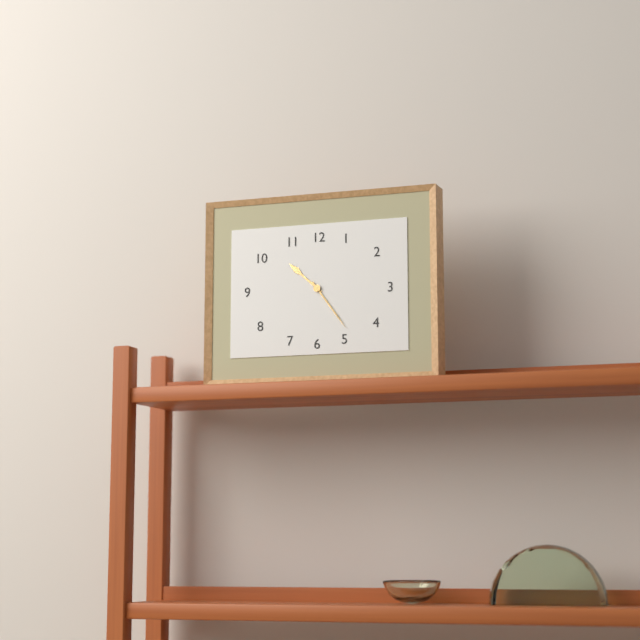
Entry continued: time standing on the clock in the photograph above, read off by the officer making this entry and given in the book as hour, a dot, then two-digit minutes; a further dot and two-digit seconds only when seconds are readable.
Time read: 10.24
